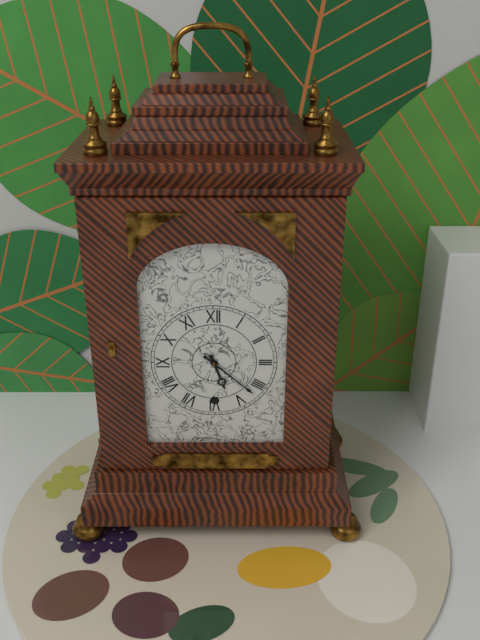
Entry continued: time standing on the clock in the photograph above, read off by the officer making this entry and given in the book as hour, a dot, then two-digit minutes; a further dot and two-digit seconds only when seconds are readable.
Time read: 5.22
